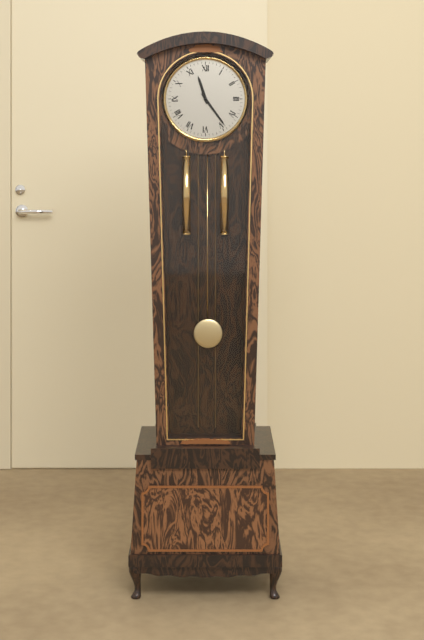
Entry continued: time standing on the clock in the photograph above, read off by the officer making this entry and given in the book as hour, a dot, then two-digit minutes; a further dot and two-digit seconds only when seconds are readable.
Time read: 11.24
